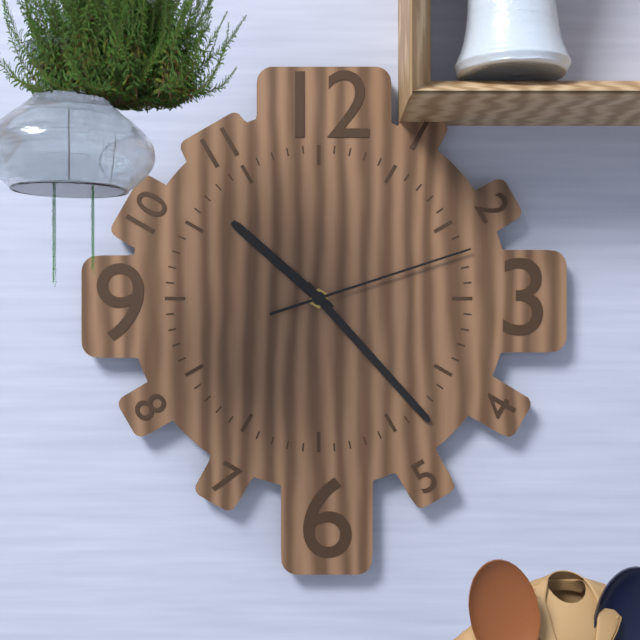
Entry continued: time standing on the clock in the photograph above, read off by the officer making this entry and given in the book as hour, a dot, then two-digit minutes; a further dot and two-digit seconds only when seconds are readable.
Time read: 10.23.12
